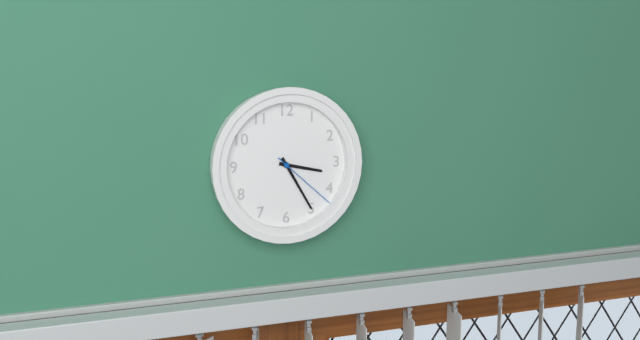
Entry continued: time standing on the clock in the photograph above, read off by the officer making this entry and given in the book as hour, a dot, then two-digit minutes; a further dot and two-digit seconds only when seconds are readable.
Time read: 3.25.22
